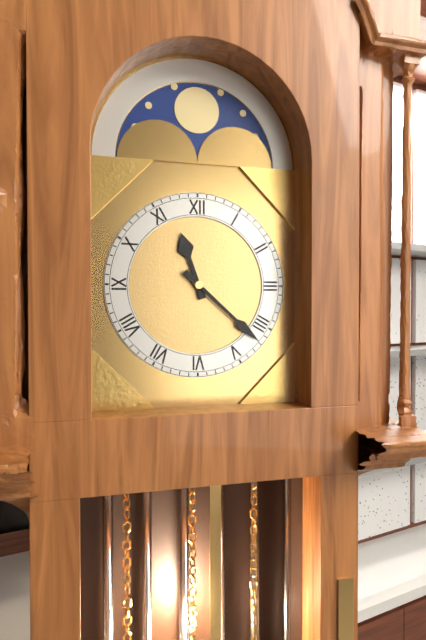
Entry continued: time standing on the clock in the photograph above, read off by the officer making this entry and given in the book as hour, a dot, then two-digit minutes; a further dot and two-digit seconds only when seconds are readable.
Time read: 11.22
